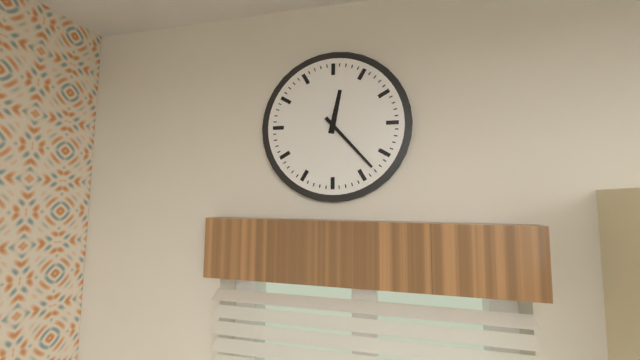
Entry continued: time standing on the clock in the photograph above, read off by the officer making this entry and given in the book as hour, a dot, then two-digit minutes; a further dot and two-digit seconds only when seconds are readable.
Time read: 12.23
